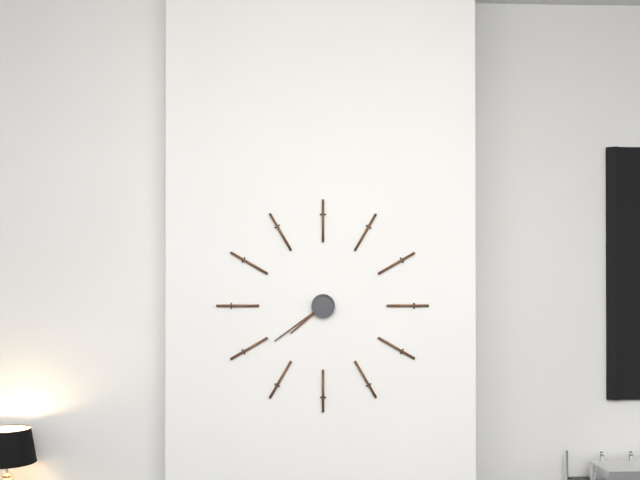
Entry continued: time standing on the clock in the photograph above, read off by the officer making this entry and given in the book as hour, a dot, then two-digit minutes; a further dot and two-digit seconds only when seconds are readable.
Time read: 7.39
